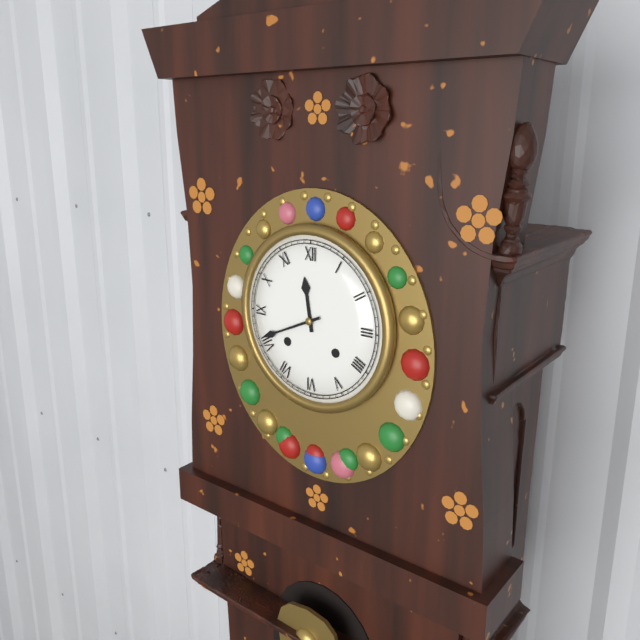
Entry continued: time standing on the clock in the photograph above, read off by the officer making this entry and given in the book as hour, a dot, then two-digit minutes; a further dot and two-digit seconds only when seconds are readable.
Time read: 11.41
